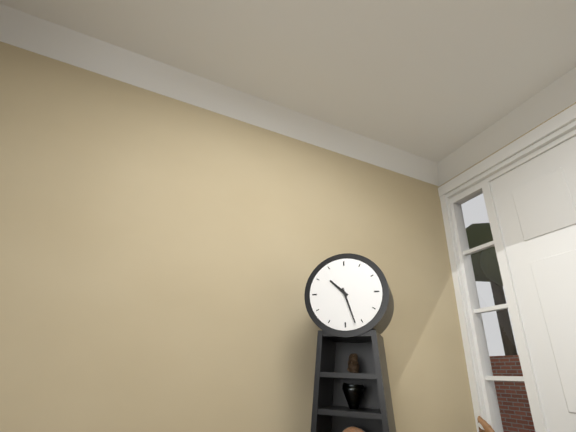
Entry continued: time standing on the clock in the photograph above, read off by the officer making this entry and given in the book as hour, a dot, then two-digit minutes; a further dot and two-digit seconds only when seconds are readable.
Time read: 10.27
